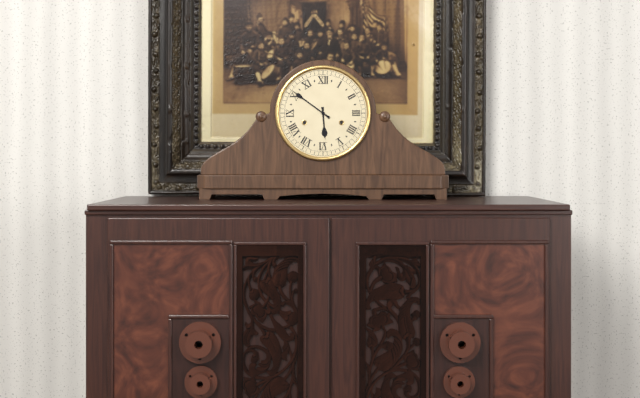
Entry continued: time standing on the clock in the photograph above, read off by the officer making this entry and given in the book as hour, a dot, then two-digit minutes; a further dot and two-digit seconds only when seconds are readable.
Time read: 5.51
